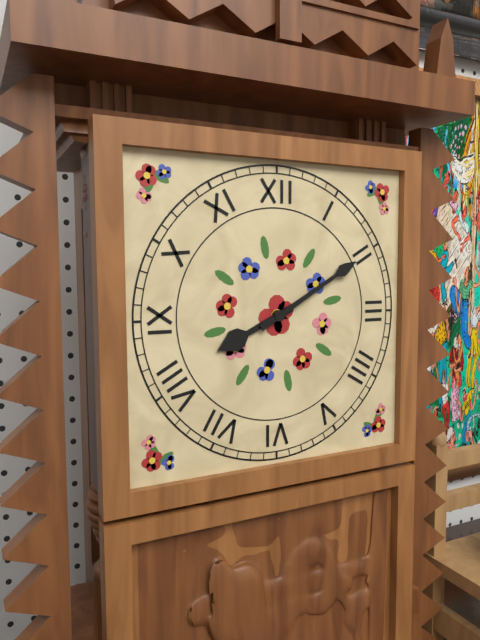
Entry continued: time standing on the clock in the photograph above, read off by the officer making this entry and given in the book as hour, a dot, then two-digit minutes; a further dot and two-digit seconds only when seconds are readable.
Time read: 8.10
